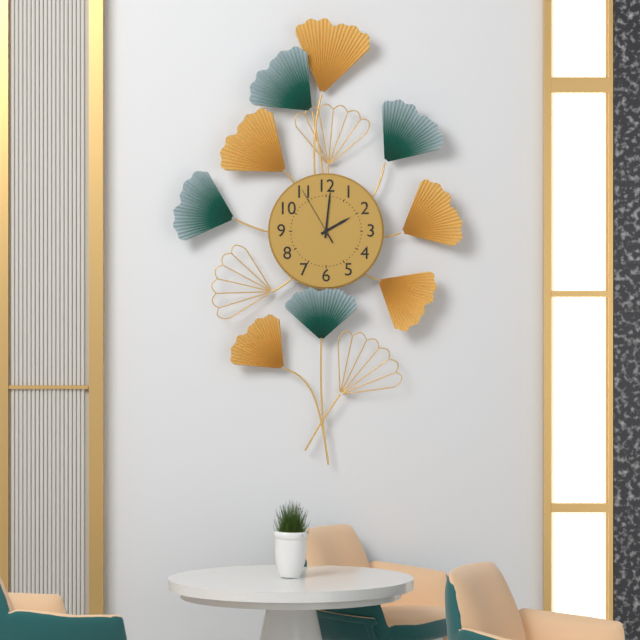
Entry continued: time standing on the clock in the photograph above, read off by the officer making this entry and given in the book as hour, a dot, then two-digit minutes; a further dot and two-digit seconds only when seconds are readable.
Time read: 2.01.55
